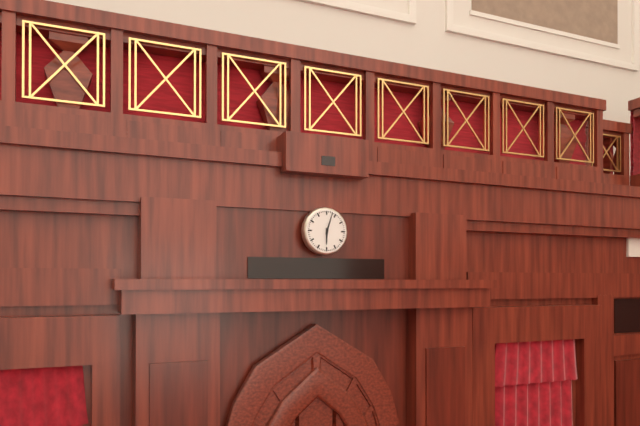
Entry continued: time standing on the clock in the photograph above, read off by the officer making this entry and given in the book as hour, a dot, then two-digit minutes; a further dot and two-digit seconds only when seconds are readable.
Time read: 6.03
